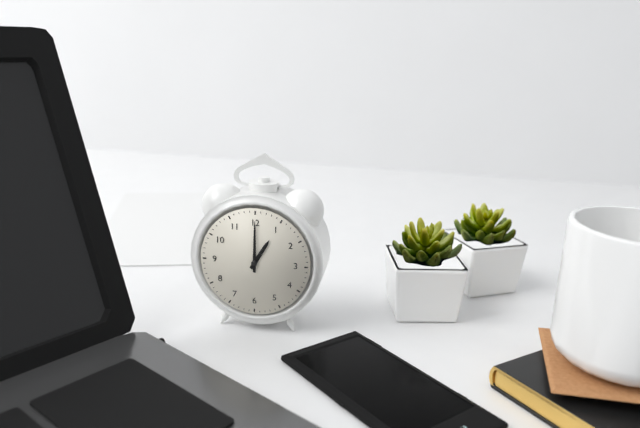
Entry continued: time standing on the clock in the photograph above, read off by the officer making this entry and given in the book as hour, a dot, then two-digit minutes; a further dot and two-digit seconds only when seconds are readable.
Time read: 1.00
